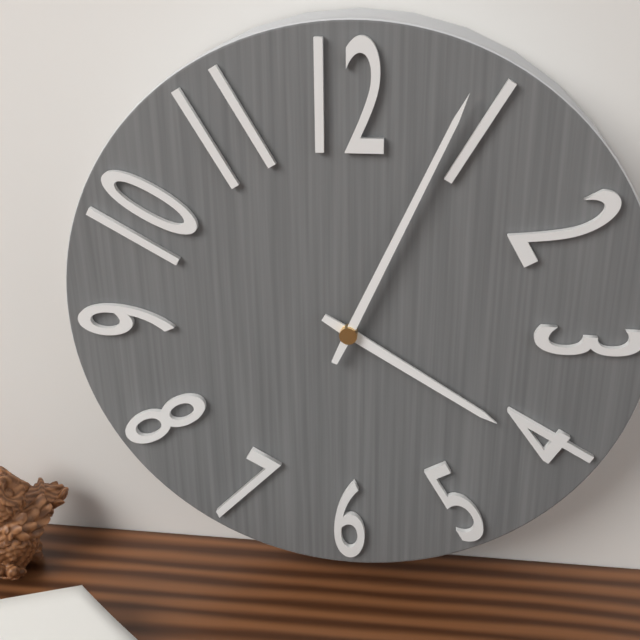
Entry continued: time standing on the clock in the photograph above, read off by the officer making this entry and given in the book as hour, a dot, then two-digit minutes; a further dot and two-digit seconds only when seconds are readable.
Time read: 4.04
